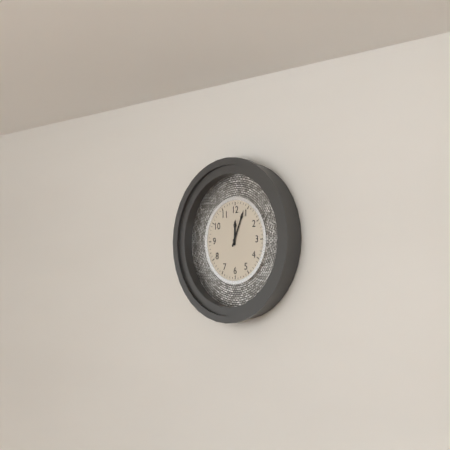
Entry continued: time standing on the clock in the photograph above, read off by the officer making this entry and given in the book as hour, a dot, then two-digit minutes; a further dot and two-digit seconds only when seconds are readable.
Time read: 12.04
